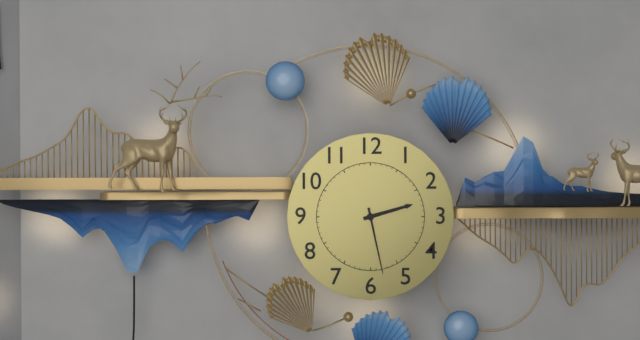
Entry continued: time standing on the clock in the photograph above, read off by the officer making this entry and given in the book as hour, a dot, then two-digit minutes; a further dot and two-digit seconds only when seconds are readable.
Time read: 2.28
